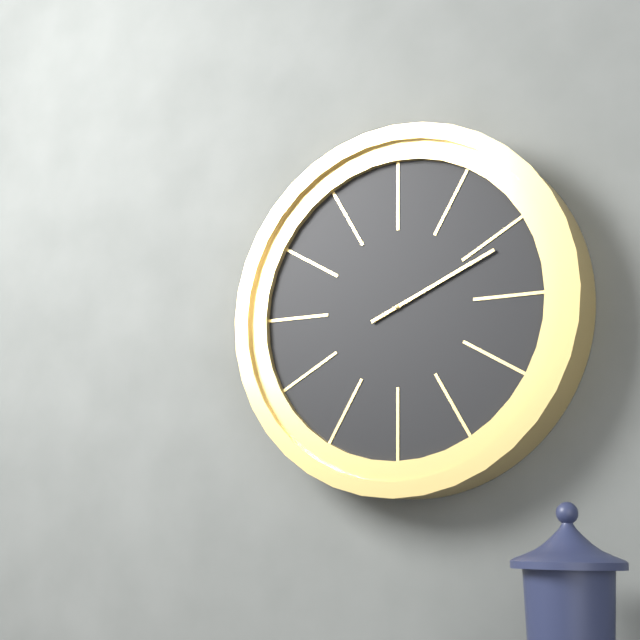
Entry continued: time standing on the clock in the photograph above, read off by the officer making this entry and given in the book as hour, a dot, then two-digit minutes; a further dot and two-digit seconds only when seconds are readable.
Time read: 2.11
